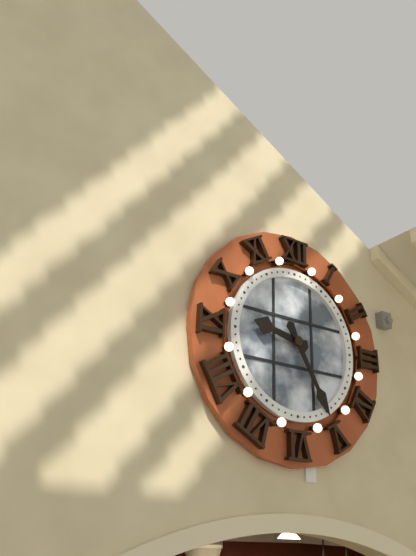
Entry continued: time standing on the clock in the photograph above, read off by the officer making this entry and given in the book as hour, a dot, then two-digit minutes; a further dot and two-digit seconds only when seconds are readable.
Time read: 9.25
